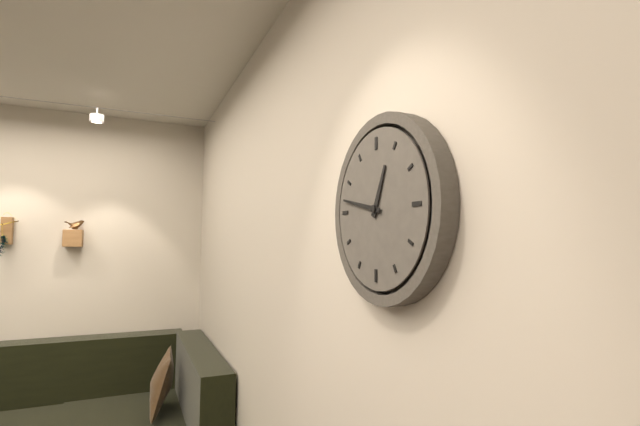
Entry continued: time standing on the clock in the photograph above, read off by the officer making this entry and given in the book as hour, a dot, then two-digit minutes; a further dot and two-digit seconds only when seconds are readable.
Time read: 12.47
